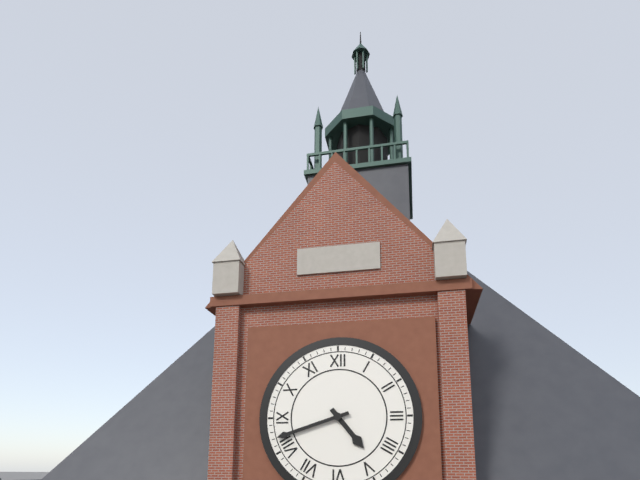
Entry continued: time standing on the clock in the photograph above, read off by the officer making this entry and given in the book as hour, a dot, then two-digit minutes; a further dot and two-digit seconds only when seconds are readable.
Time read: 4.42
